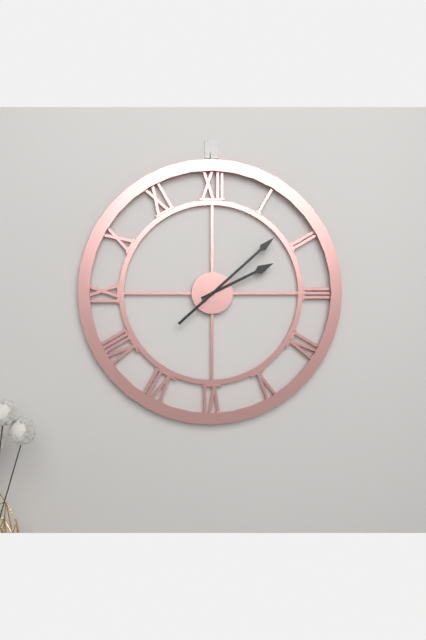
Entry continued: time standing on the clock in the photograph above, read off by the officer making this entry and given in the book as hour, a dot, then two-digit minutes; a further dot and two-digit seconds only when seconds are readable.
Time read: 2.08
